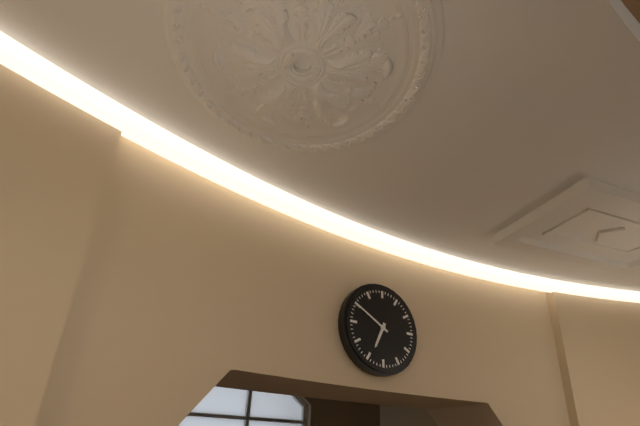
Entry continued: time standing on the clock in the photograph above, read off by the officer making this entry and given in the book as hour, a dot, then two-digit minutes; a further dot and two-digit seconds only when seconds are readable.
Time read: 6.50
